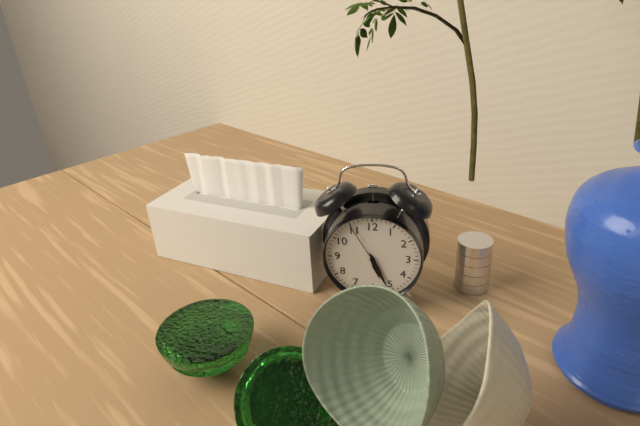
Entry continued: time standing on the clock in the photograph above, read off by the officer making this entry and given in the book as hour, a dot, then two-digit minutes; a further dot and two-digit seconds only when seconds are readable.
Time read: 5.26
